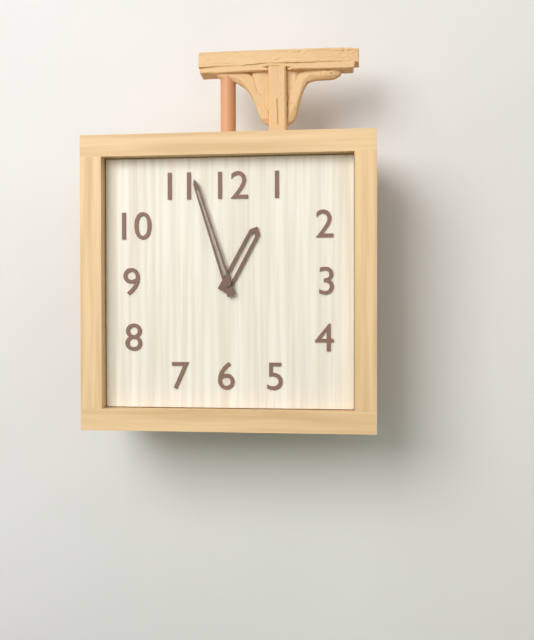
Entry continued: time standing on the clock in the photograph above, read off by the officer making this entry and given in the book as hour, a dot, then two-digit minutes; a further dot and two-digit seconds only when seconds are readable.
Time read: 12.57
